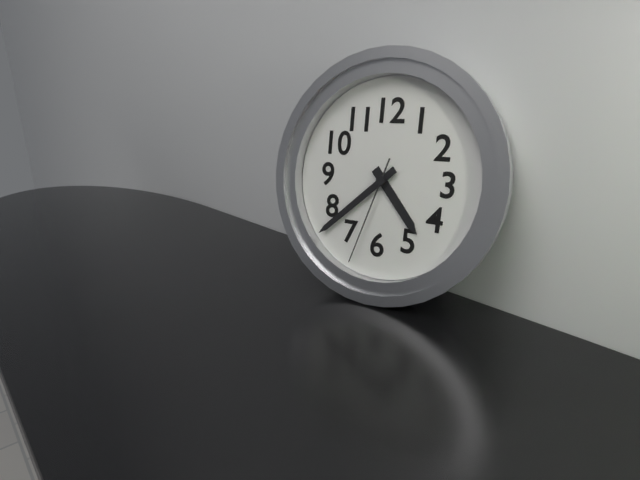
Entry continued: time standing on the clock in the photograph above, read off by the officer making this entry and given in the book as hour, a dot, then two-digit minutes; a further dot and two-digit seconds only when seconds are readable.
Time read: 4.38.33
